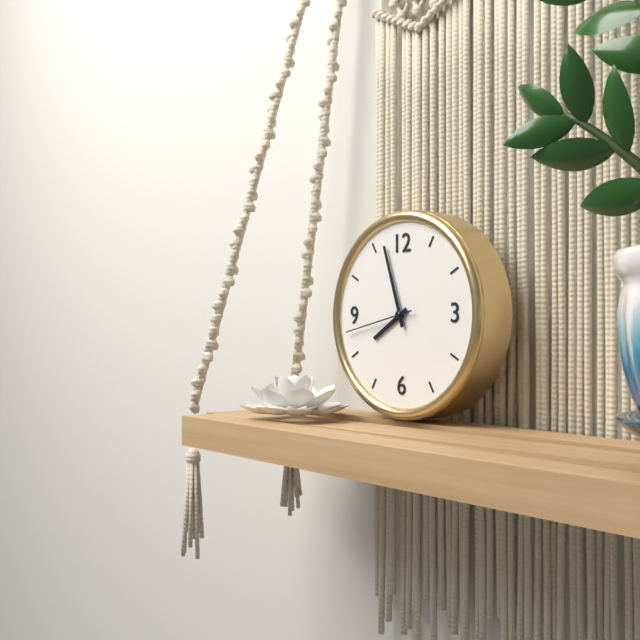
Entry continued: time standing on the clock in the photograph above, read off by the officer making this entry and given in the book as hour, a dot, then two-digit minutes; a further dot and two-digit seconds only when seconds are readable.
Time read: 7.57.43
